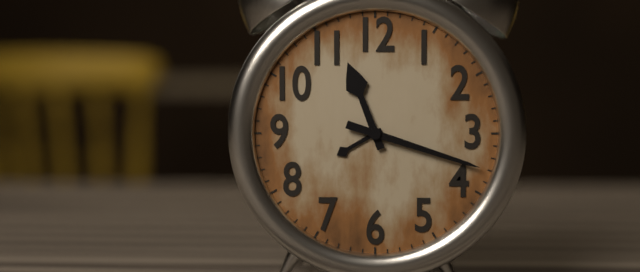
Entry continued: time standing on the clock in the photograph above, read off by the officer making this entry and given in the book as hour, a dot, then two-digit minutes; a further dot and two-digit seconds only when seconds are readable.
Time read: 11.18
